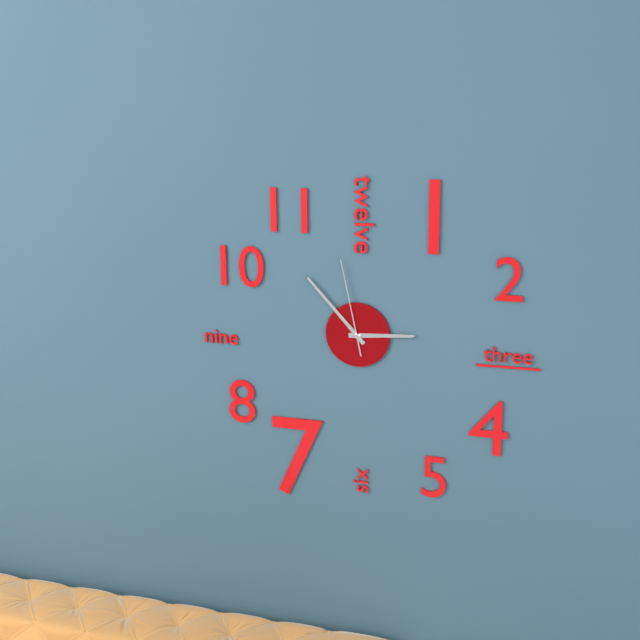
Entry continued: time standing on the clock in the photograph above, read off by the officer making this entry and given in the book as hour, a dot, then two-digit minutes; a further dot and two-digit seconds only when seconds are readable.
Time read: 2.53.58
